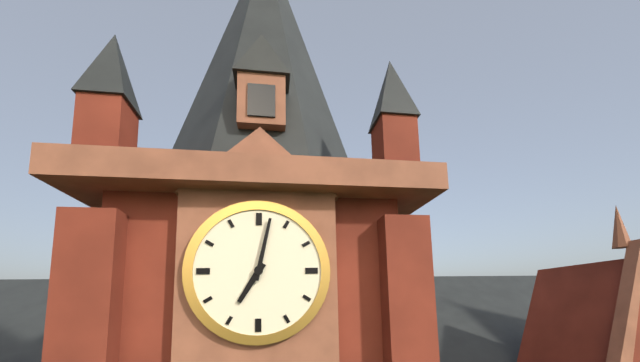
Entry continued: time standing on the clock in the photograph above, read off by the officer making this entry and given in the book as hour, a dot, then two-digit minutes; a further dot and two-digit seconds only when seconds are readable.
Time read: 7.02
